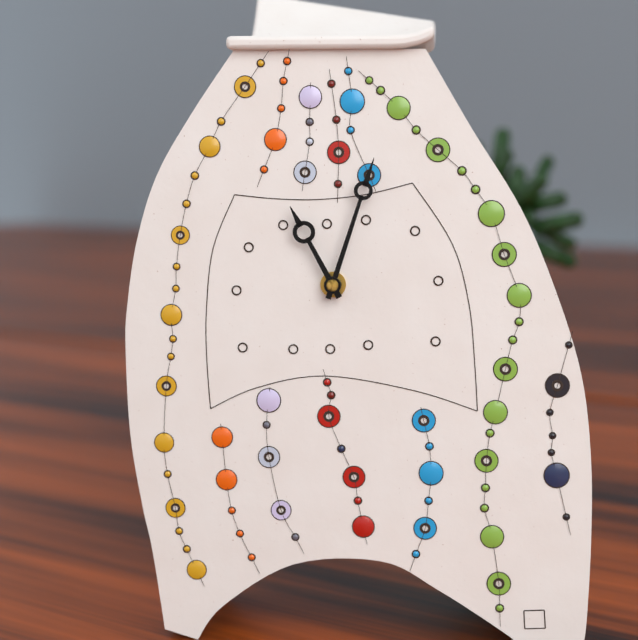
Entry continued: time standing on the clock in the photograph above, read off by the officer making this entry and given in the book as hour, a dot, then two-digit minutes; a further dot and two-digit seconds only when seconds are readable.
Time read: 11.03
